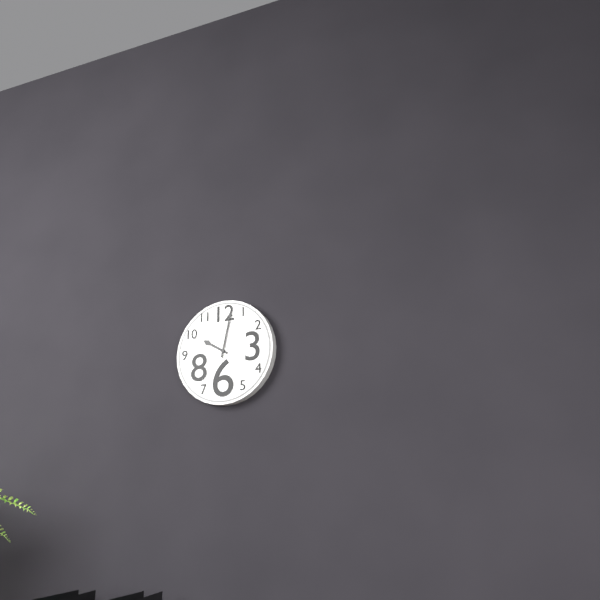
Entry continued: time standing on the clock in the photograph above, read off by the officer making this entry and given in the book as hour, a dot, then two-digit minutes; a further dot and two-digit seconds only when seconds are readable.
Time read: 10.02
